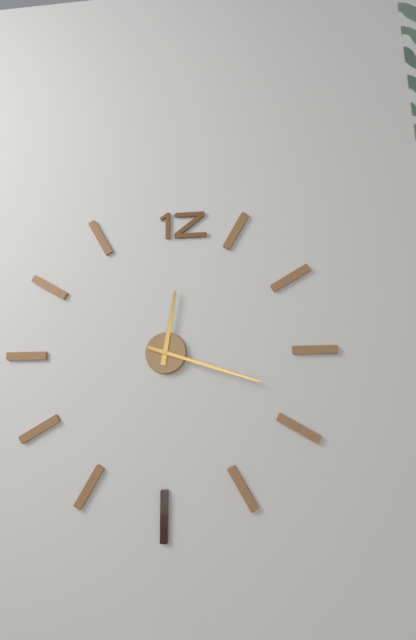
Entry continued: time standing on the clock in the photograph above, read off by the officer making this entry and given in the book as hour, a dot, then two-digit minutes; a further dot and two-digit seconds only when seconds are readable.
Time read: 12.18
